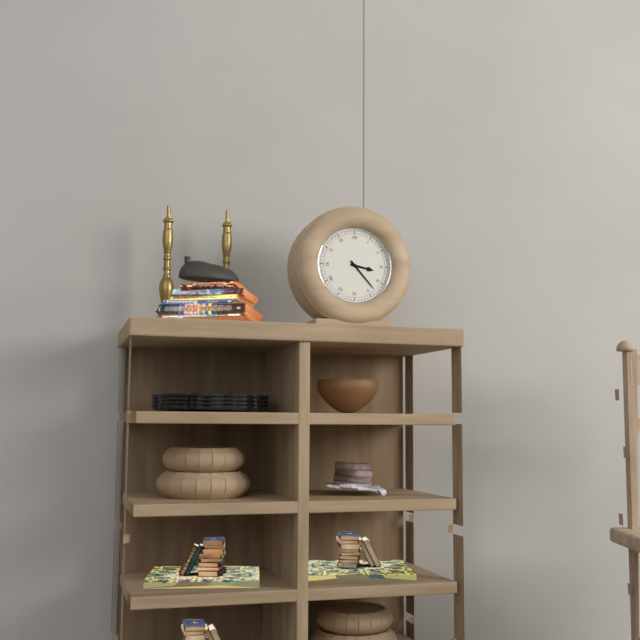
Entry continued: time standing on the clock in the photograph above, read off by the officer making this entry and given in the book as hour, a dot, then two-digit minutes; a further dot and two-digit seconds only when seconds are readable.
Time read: 3.23
